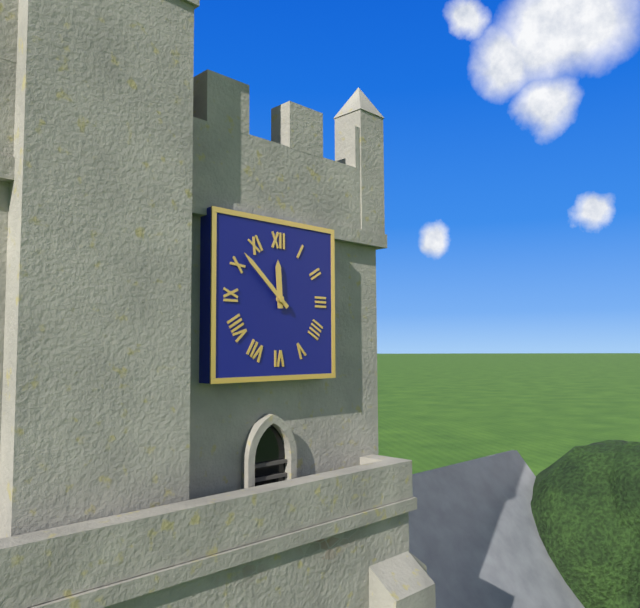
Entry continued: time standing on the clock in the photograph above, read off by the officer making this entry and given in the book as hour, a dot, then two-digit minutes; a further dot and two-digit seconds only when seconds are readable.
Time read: 11.52
